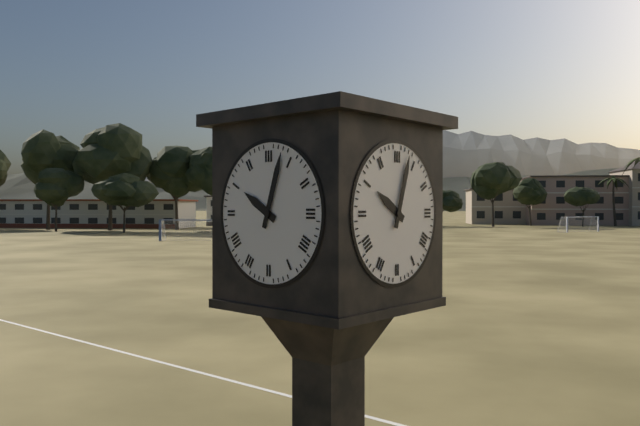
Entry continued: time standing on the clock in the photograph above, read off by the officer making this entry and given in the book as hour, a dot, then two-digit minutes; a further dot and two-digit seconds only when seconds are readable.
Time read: 10.03
